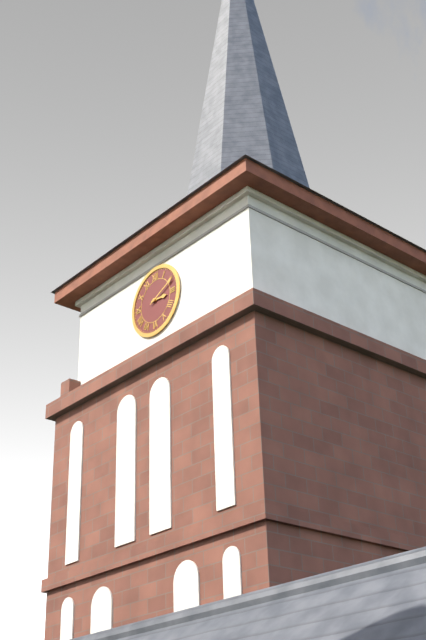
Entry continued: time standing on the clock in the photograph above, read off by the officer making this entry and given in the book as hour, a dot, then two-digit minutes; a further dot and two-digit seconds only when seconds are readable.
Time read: 3.11
